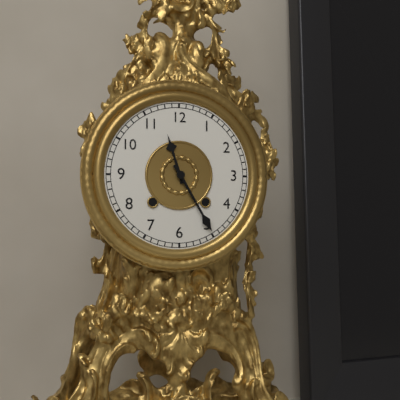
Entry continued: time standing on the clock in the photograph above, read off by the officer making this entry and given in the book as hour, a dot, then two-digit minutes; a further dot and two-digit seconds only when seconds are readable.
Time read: 11.25
